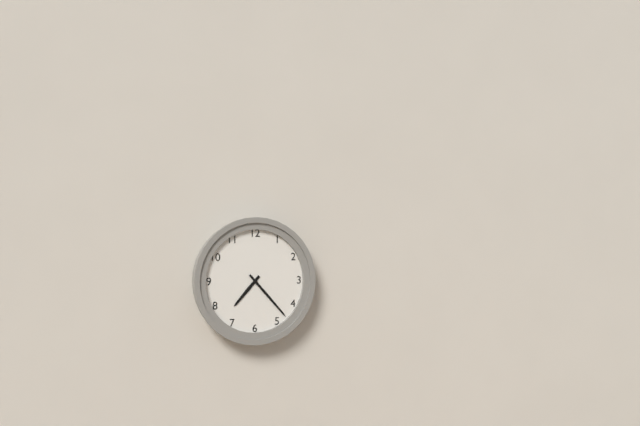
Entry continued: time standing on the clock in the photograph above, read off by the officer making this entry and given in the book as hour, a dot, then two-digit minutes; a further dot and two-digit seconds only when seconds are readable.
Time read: 7.23
